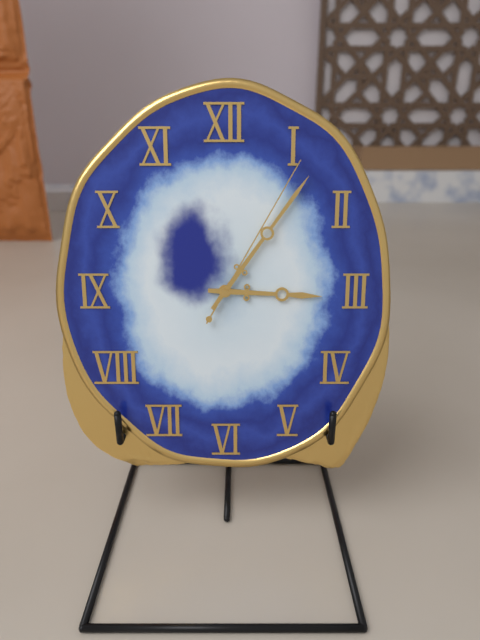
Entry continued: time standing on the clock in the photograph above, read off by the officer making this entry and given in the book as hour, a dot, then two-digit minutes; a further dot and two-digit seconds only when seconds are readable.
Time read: 3.06.05
